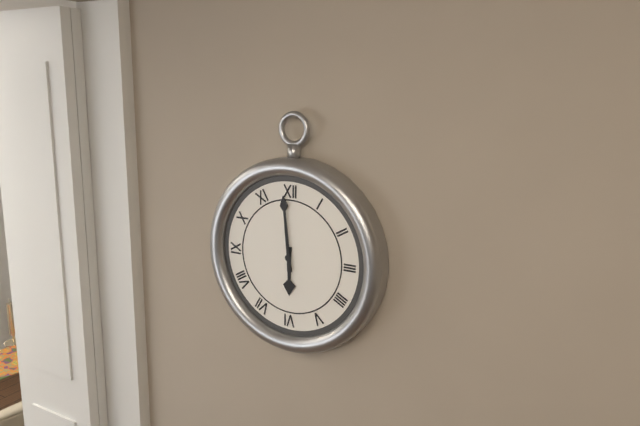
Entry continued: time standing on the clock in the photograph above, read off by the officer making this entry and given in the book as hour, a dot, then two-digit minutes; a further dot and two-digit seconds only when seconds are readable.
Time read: 5.59
